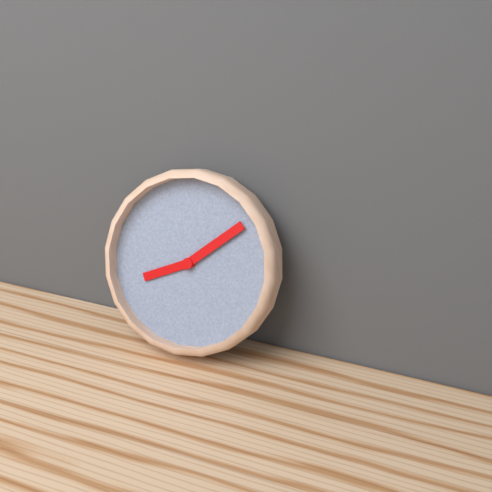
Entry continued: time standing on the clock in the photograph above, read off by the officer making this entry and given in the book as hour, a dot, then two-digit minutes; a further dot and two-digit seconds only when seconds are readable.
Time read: 8.08
